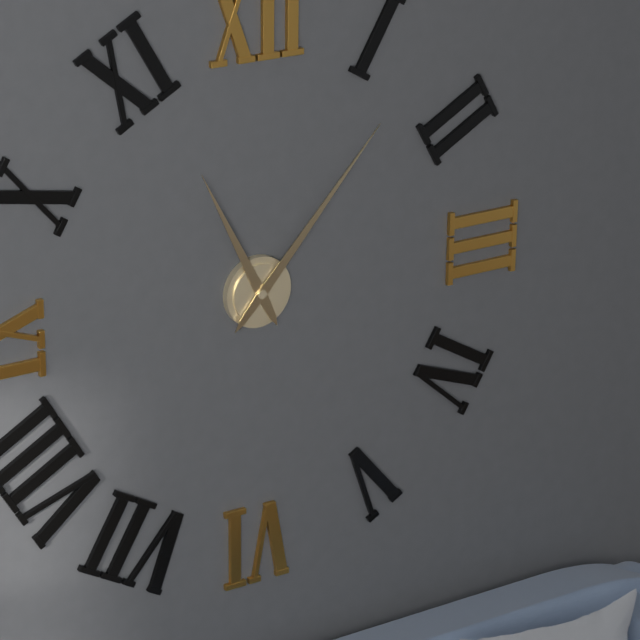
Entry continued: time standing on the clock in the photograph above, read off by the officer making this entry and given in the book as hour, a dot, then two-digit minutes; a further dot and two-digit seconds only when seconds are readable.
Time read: 11.07
